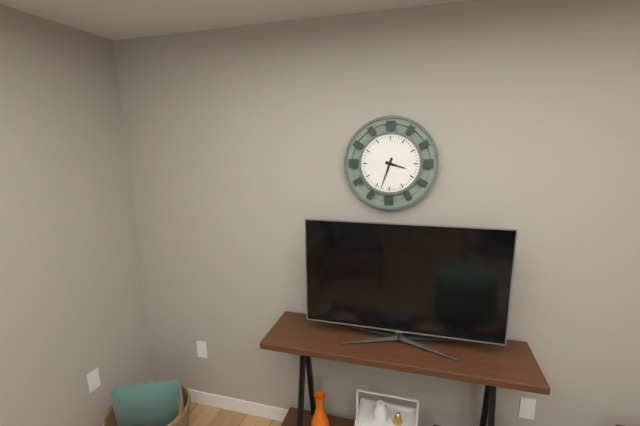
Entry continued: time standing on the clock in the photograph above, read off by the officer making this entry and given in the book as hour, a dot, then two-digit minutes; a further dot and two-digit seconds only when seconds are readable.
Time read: 3.33
